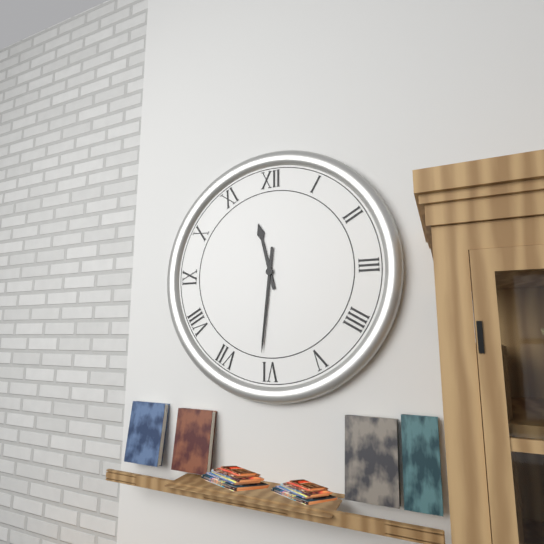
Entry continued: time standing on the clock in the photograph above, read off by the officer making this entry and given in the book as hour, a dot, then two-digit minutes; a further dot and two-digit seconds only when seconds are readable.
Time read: 11.31
